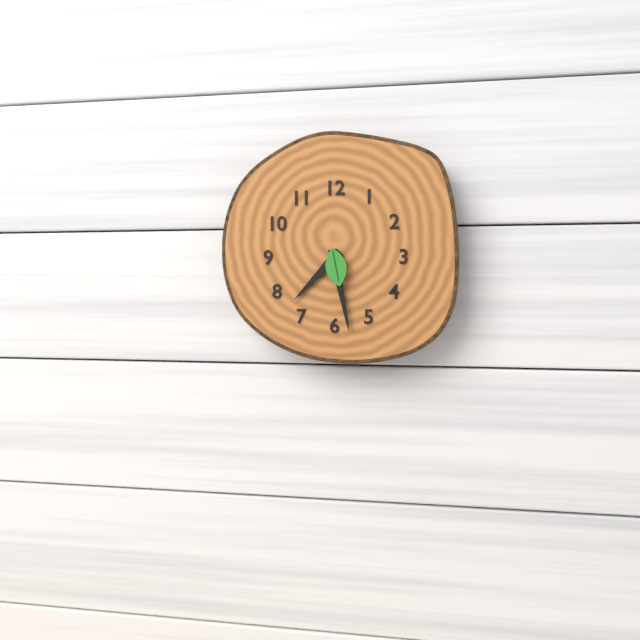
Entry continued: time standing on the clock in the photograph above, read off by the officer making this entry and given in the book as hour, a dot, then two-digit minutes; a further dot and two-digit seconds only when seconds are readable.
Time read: 7.28
